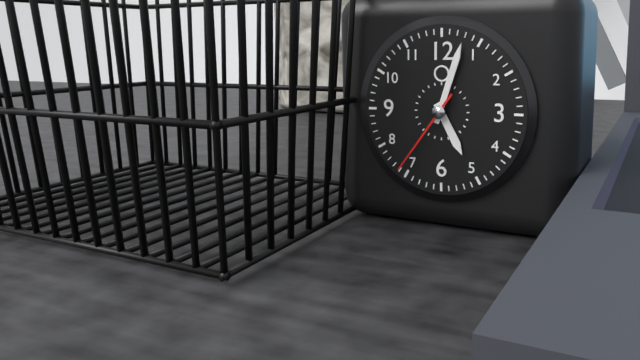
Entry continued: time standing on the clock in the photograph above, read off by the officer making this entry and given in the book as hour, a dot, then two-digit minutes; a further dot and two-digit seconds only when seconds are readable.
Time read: 5.03.36
